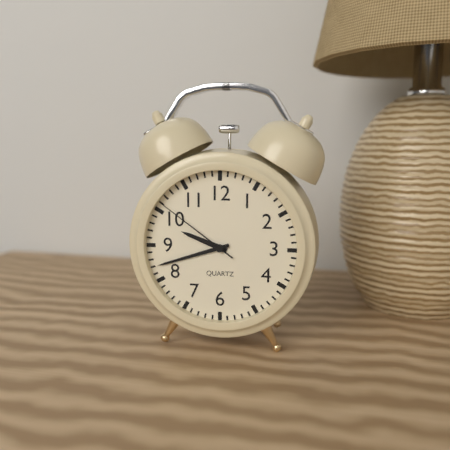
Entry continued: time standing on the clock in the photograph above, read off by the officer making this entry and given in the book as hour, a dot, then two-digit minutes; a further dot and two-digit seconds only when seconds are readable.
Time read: 9.42.51
